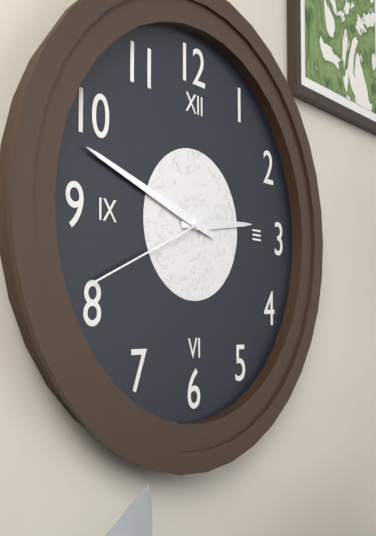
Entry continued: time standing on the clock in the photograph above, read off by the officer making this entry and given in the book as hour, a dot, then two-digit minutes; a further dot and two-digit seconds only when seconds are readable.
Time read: 2.48.41
